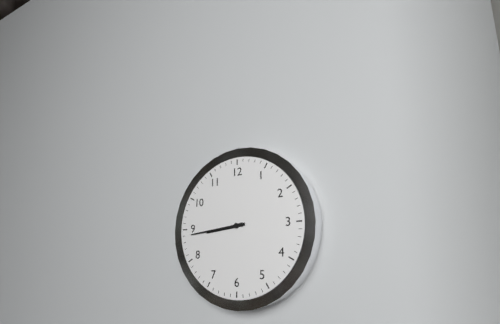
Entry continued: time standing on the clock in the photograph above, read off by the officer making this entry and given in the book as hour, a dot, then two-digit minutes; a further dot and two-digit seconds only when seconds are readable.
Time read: 8.44
